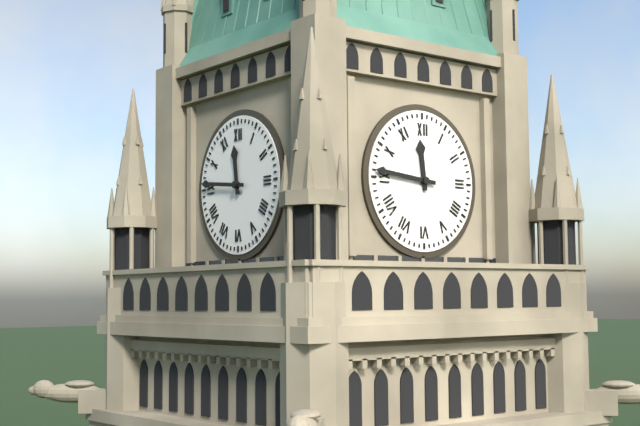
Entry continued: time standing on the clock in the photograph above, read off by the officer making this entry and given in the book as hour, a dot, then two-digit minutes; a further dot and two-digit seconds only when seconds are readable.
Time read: 11.46
